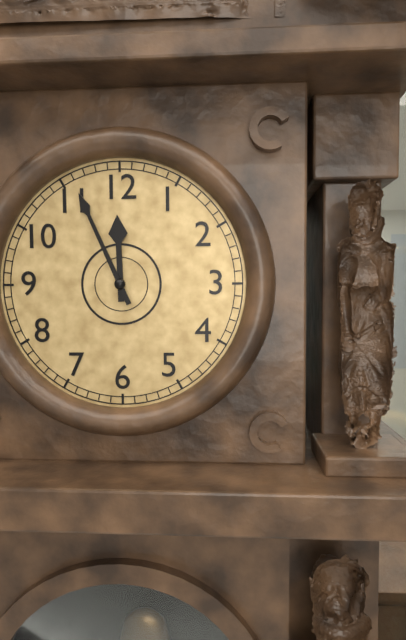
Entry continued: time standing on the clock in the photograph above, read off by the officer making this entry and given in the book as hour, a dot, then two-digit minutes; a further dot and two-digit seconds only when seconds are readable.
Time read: 11.56
